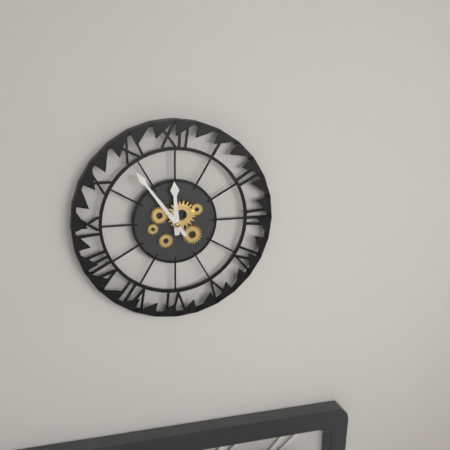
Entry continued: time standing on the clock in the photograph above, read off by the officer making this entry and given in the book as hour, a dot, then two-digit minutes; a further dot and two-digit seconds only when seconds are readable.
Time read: 11.54
